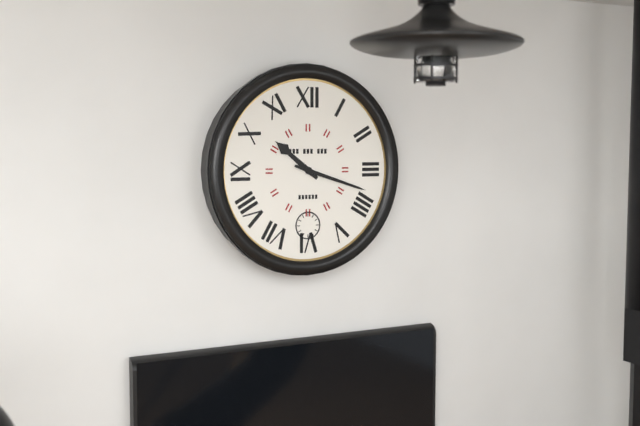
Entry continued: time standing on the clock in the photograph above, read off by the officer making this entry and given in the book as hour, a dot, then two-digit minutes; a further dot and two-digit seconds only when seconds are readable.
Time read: 10.18
